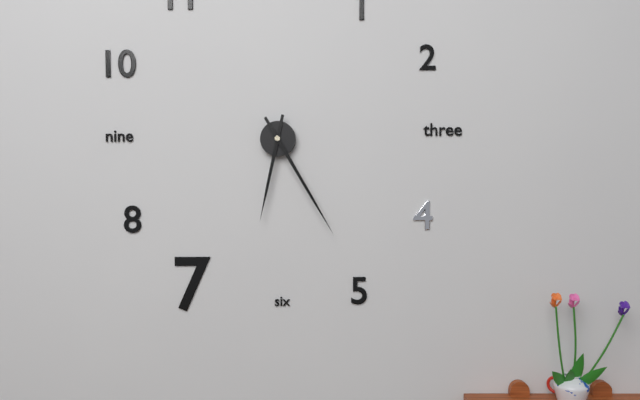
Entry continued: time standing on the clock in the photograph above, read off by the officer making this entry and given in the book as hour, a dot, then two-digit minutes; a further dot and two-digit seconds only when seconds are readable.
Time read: 6.25
